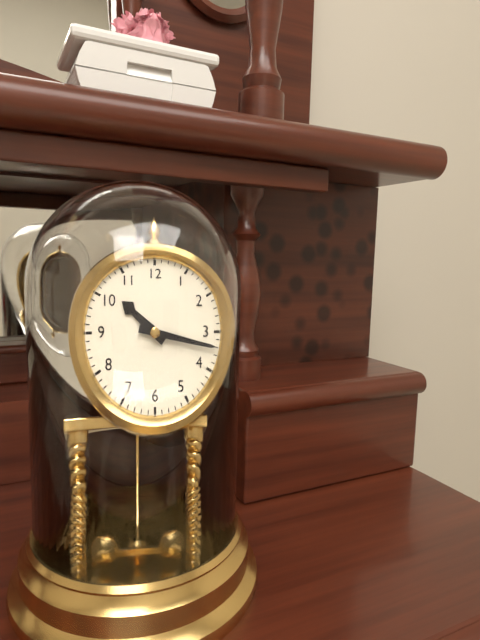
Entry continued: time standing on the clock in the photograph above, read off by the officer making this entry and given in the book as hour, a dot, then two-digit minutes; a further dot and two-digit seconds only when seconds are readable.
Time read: 10.17
